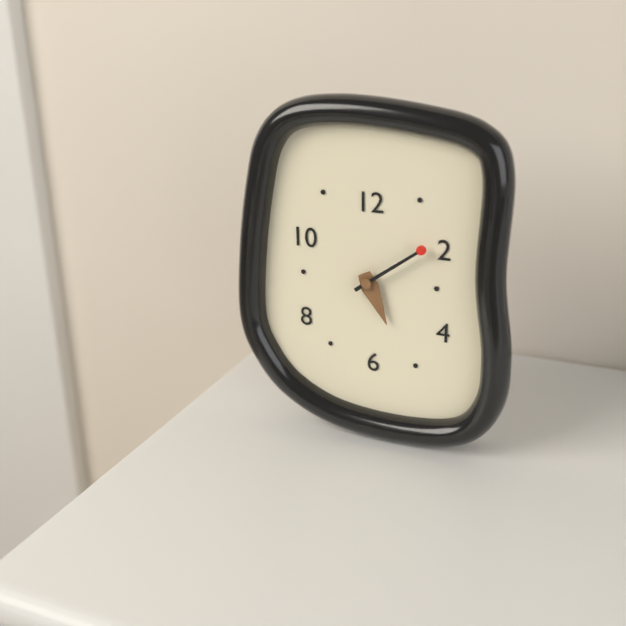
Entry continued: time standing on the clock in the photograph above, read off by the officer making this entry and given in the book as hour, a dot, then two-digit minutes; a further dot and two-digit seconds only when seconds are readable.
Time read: 5.09
